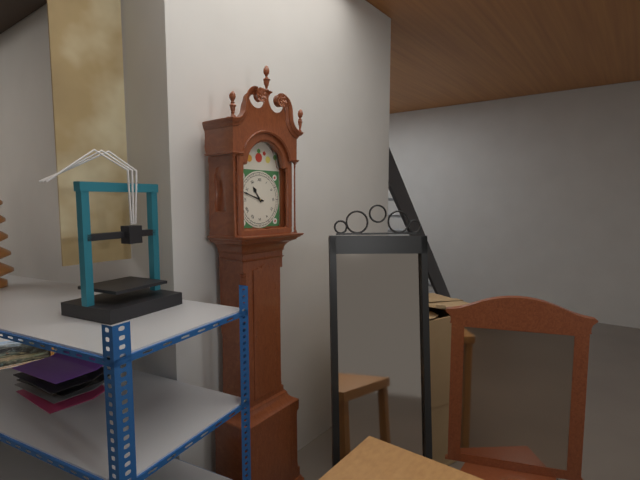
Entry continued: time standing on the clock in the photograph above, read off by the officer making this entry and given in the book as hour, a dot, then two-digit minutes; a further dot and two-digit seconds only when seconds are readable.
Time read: 10.48
